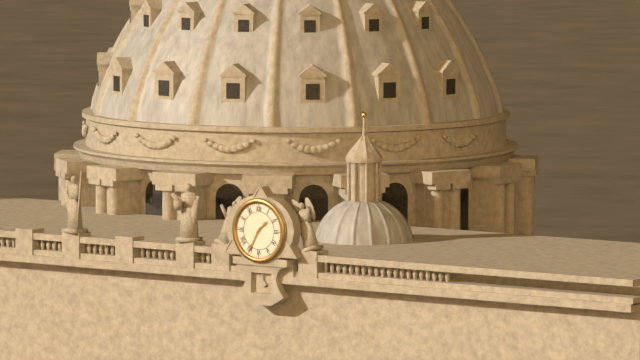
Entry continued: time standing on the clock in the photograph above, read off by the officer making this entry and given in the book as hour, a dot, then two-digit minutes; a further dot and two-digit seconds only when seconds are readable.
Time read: 1.35
